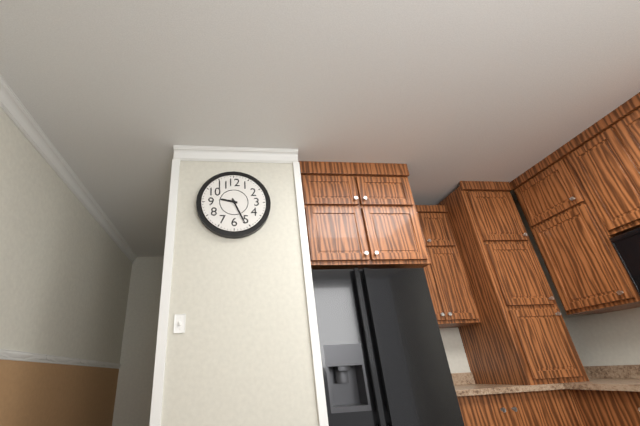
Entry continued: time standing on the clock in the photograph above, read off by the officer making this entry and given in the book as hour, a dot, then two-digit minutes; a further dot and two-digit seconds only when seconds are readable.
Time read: 9.26
